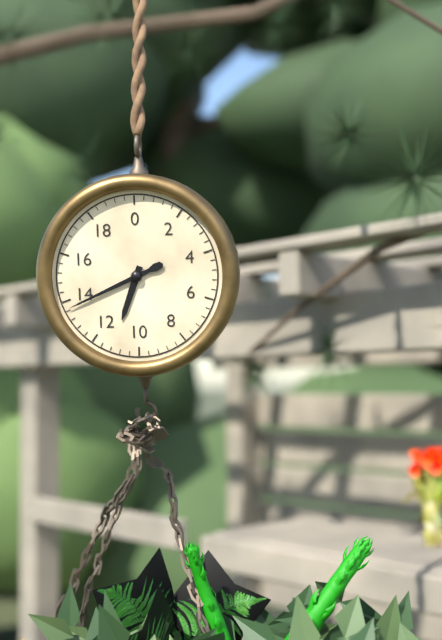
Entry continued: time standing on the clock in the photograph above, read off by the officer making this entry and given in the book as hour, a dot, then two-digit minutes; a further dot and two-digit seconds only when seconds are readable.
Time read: 6.41
